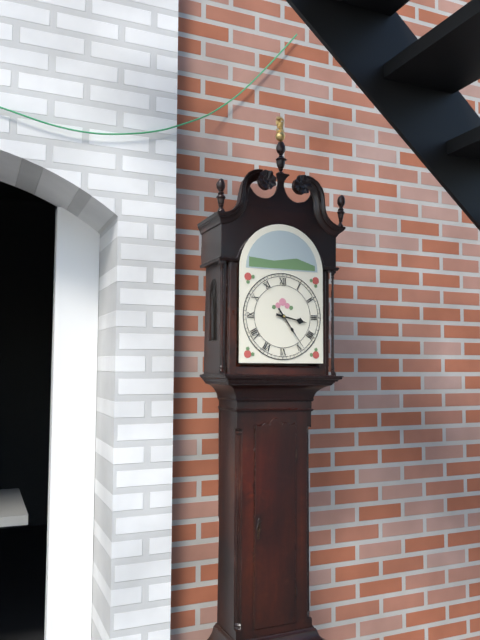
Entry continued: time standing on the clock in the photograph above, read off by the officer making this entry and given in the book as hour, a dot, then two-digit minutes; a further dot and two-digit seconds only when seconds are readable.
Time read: 3.24
